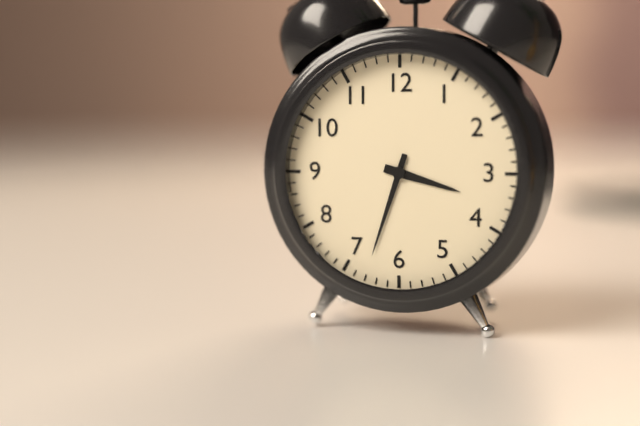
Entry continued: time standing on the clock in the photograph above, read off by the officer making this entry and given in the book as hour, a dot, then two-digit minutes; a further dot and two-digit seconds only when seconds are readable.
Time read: 3.33
